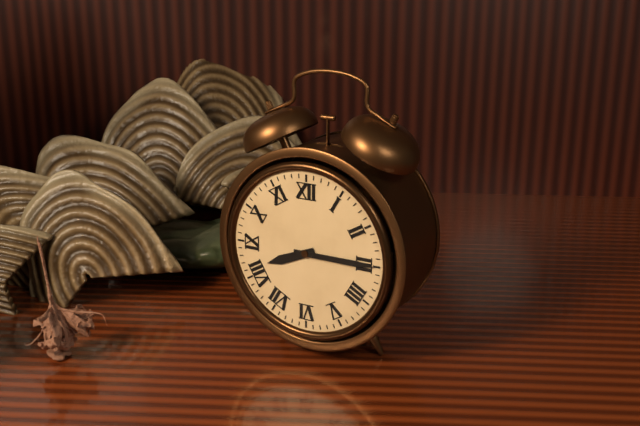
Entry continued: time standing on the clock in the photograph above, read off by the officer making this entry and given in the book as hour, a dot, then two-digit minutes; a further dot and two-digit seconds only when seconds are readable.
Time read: 8.15
